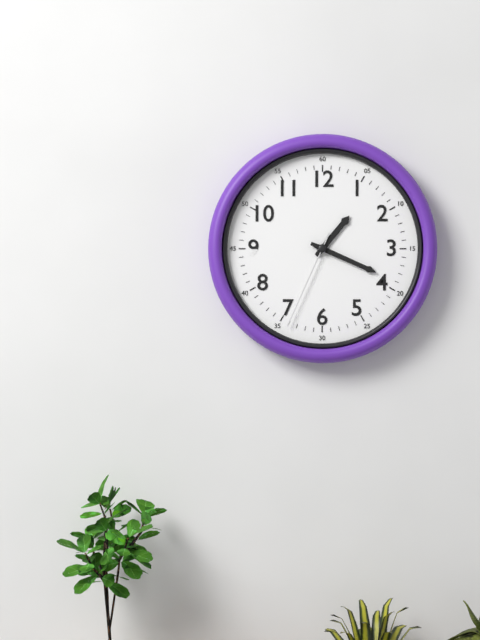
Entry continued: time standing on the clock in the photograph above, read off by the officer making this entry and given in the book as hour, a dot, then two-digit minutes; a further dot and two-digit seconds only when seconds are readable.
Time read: 1.19.34
